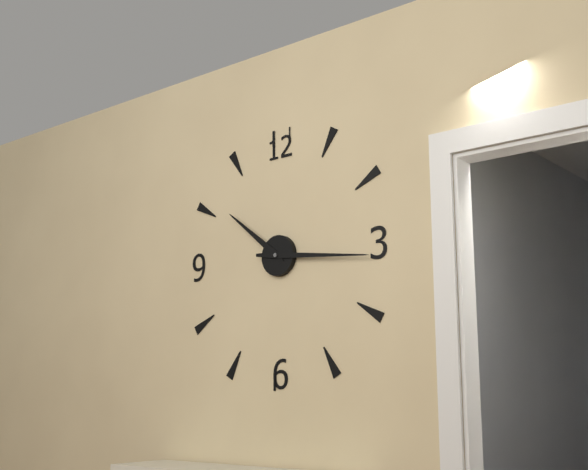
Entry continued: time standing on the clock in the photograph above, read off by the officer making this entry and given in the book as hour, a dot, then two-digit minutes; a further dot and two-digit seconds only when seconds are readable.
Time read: 10.16
